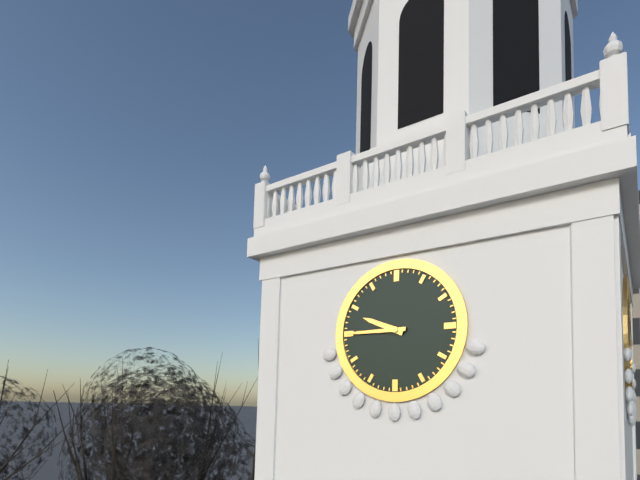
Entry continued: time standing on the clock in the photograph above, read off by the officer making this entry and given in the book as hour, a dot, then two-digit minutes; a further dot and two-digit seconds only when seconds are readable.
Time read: 9.45
